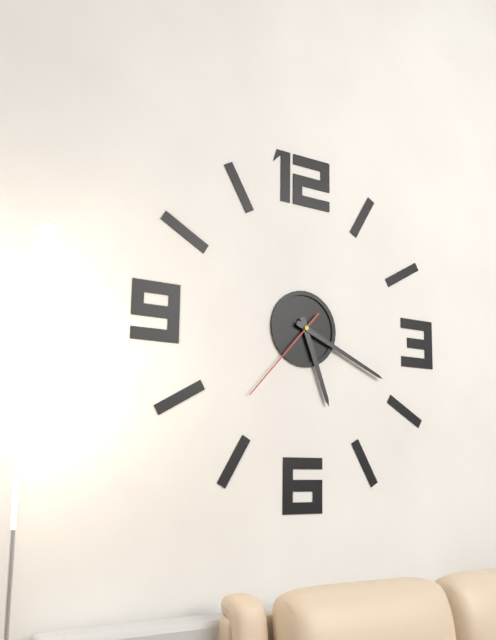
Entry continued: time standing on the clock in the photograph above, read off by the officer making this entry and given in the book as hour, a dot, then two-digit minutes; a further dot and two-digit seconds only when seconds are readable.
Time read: 5.19.37
